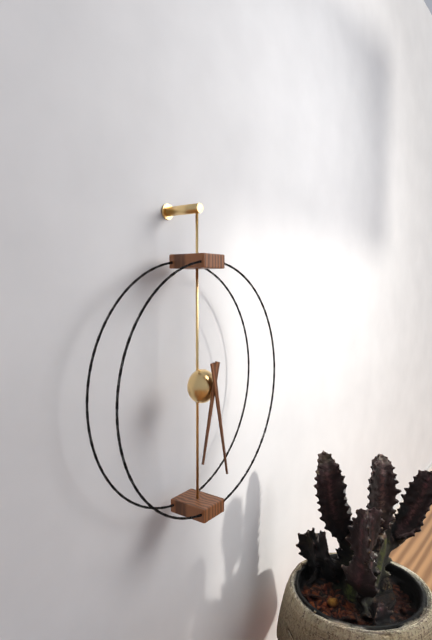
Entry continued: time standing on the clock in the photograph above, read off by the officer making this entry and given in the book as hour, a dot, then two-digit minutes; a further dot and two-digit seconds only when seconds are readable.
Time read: 6.28
